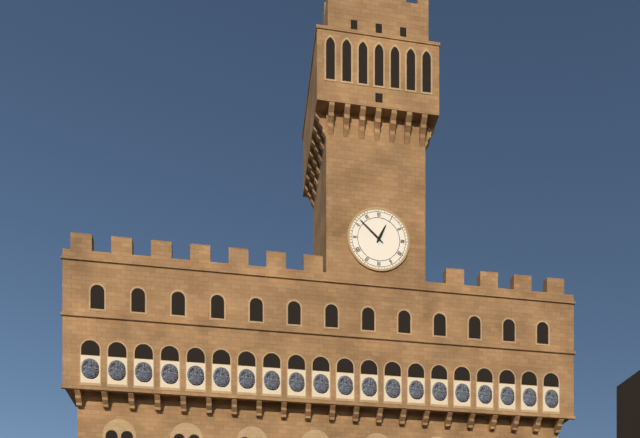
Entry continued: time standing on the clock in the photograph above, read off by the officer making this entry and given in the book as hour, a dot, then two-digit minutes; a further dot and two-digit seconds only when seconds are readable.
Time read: 12.52
